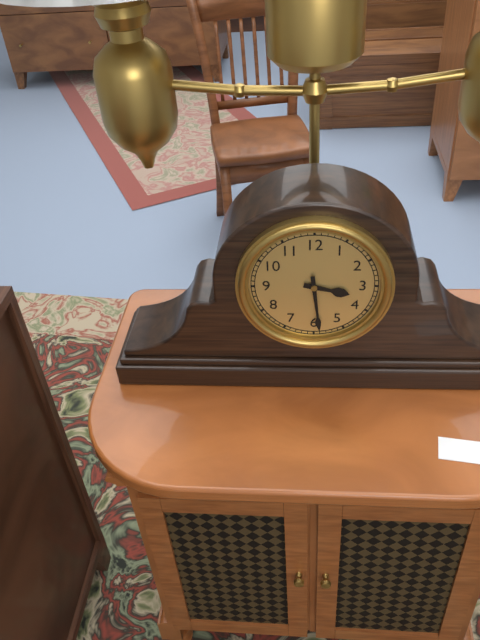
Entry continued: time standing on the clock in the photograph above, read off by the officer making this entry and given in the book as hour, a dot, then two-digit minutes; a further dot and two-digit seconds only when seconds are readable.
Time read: 3.29
